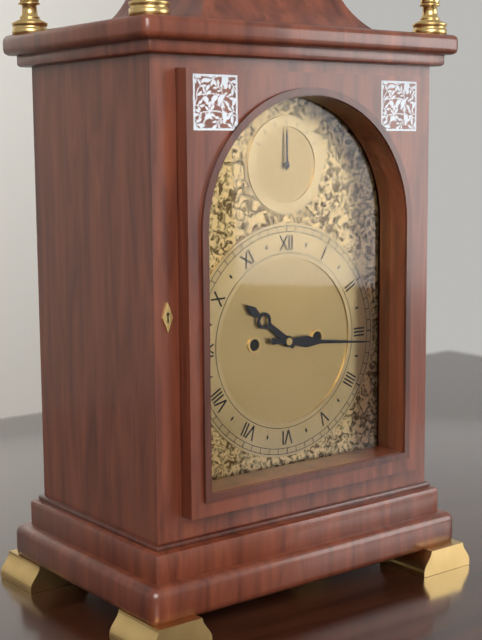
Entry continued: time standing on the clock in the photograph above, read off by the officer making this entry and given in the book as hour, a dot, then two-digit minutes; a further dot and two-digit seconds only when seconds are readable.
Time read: 10.16
